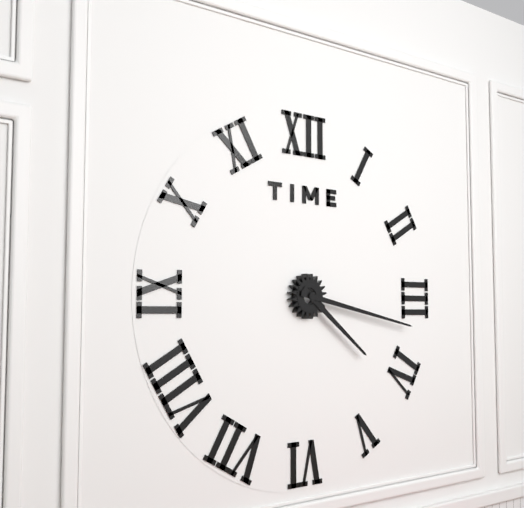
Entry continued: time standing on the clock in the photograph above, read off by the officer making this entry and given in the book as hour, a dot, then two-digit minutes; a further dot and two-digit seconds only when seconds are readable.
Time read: 4.17
